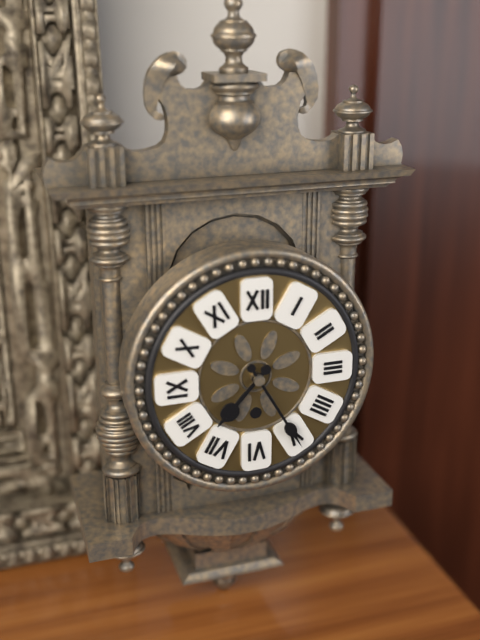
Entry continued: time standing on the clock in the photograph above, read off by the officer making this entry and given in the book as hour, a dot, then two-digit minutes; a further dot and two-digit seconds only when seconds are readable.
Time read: 7.25
